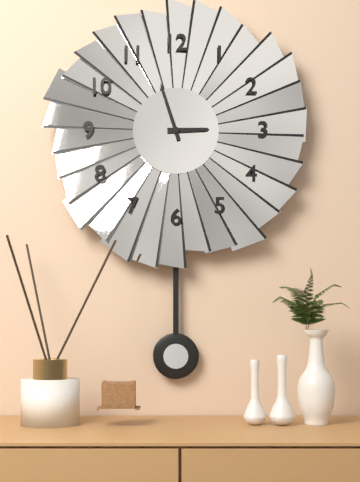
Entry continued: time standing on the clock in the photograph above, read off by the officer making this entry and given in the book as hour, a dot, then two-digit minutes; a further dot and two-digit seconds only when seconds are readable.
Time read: 2.57
